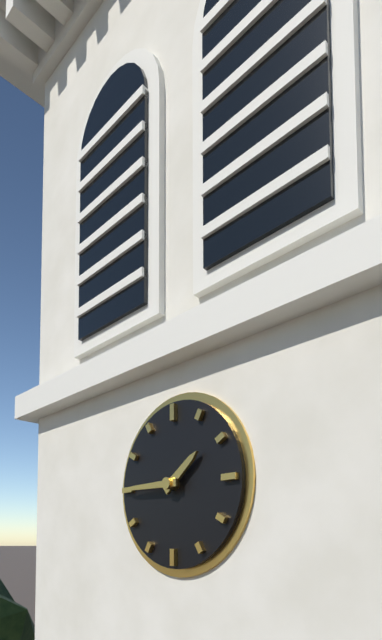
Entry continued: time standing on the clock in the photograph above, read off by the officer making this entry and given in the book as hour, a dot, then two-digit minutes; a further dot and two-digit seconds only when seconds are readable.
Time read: 1.45
